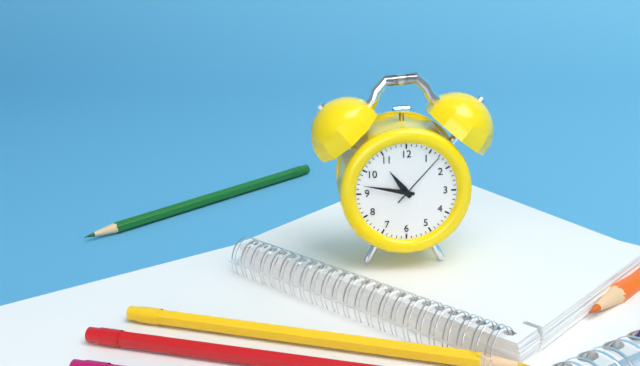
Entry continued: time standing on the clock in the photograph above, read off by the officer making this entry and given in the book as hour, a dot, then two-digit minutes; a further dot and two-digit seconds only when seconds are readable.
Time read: 10.47.07
